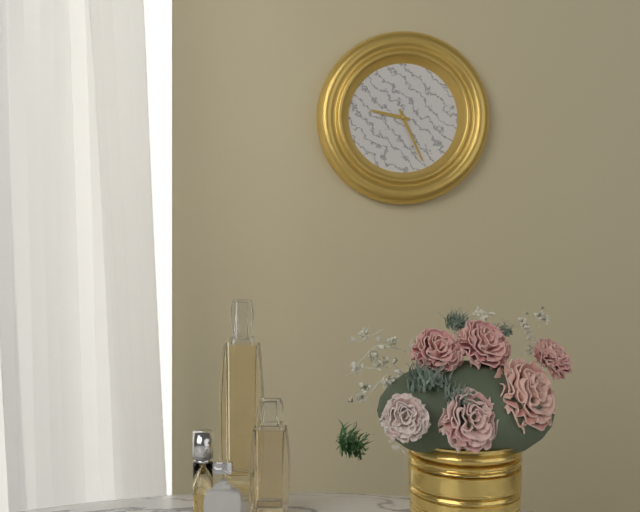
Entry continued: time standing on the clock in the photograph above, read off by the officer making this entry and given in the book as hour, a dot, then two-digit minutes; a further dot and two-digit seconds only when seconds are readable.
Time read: 9.26
